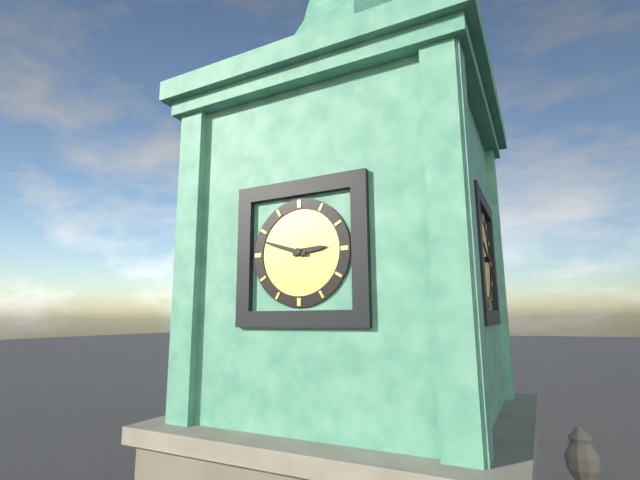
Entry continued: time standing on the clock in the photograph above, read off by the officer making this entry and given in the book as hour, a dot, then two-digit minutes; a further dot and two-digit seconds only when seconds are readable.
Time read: 2.48
